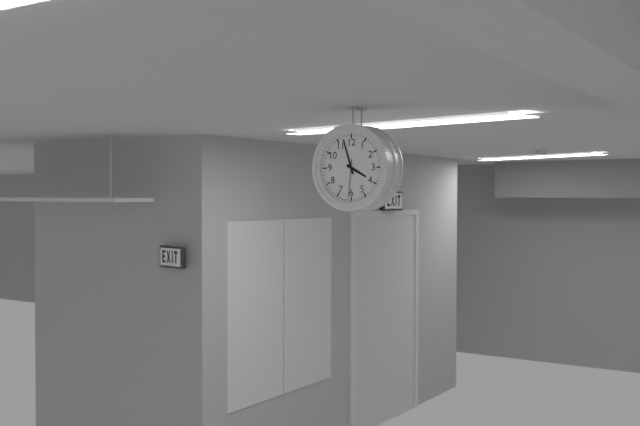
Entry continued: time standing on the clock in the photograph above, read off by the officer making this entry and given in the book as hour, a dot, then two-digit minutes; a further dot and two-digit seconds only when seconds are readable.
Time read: 3.57
